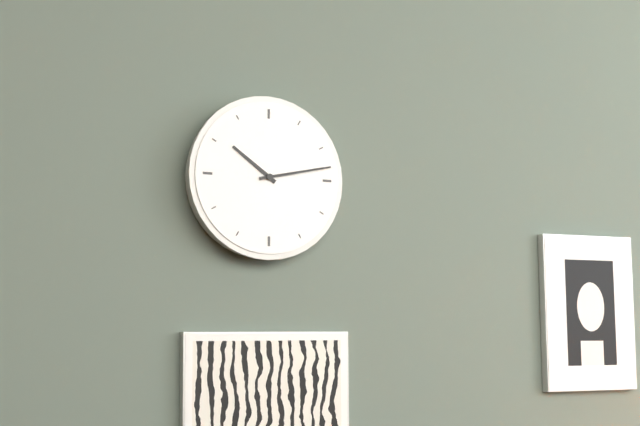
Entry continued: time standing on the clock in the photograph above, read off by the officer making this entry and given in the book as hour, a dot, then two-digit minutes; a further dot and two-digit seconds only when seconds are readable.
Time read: 10.13
